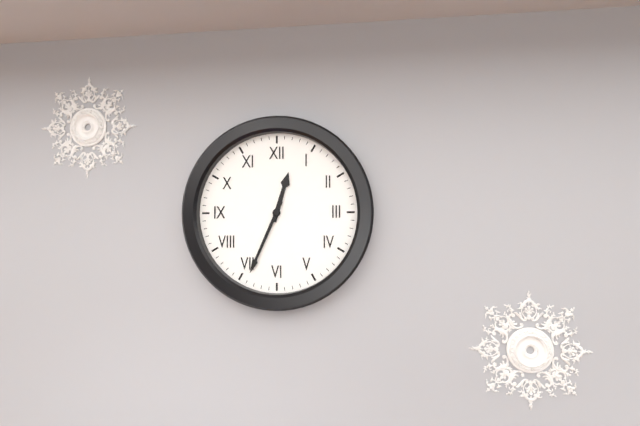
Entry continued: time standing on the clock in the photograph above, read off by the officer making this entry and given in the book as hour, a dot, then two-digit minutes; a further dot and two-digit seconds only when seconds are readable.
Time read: 12.34
